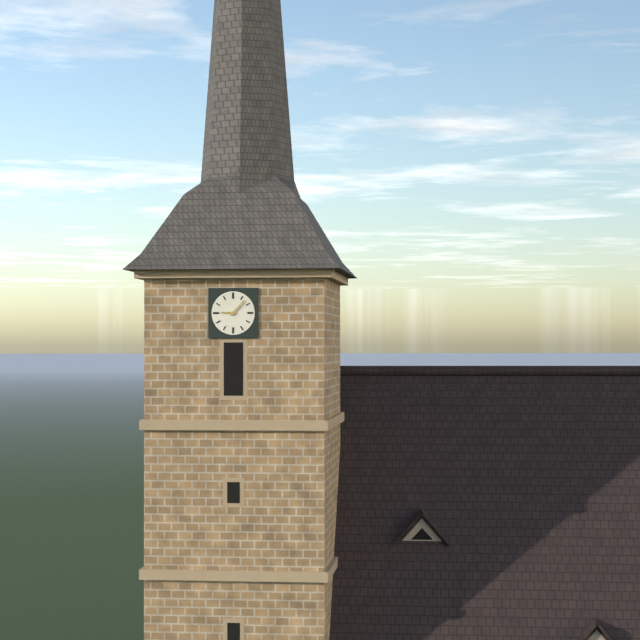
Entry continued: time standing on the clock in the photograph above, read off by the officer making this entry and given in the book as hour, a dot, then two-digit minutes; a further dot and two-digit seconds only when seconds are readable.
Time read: 9.07
